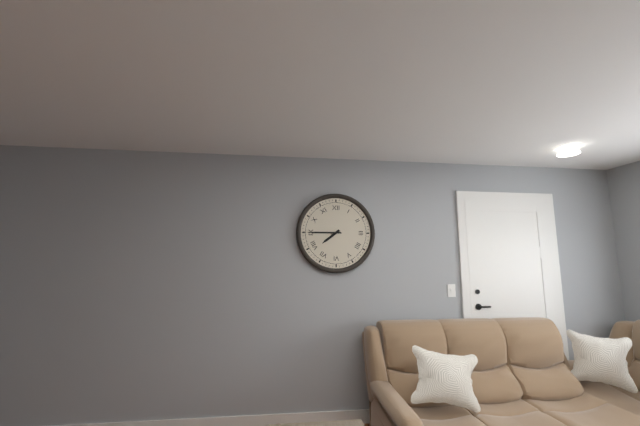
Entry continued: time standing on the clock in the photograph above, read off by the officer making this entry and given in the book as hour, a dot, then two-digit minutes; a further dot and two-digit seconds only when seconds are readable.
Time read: 7.45
